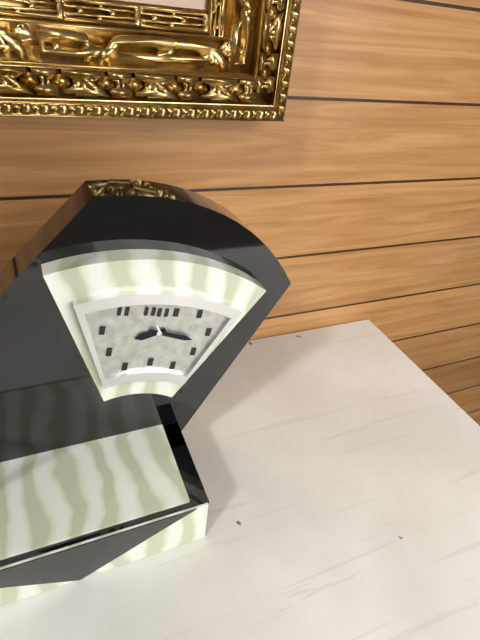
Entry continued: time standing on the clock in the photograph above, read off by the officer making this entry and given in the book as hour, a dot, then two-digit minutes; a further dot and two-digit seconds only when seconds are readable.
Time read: 8.17
